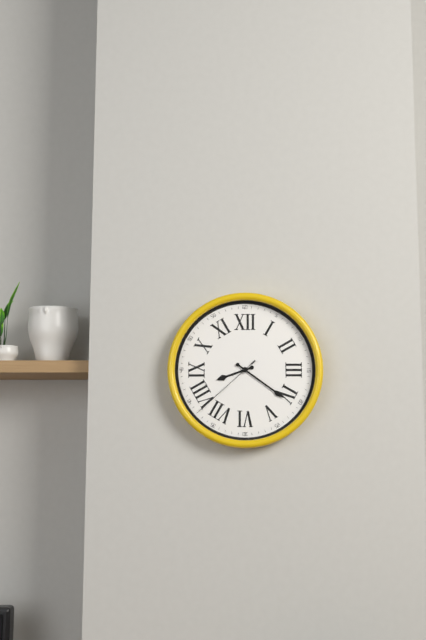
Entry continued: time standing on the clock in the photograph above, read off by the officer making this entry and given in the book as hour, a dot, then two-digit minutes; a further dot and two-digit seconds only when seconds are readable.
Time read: 8.21.38
